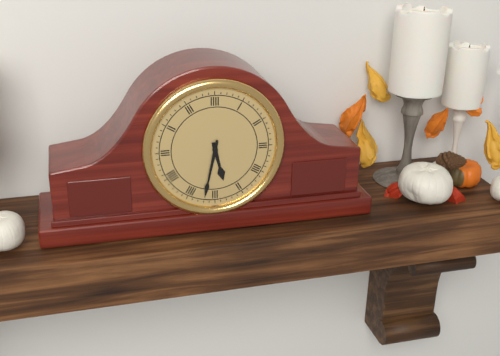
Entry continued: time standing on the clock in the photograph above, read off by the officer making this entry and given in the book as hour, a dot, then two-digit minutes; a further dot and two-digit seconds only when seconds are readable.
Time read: 5.32
